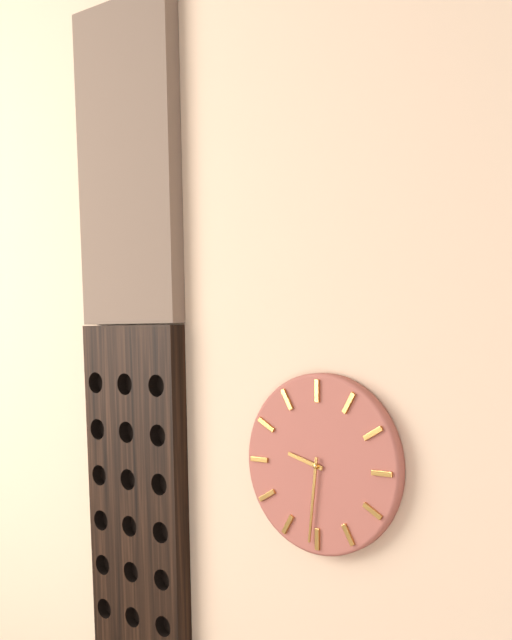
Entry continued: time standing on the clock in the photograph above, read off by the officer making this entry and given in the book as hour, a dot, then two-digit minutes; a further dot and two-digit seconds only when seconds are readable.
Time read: 9.31
